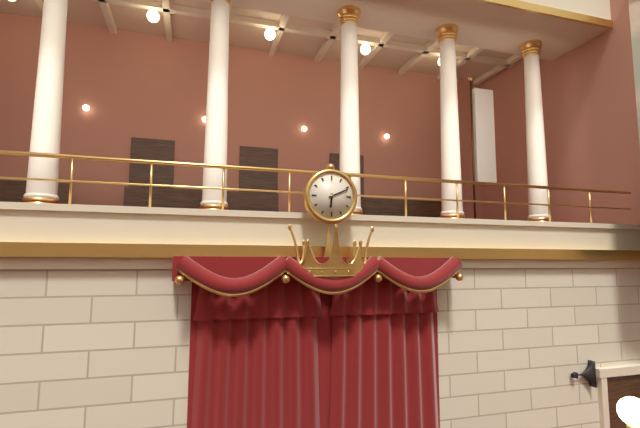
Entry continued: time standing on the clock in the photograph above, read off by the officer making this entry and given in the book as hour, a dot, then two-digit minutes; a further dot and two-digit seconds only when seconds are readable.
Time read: 6.11
